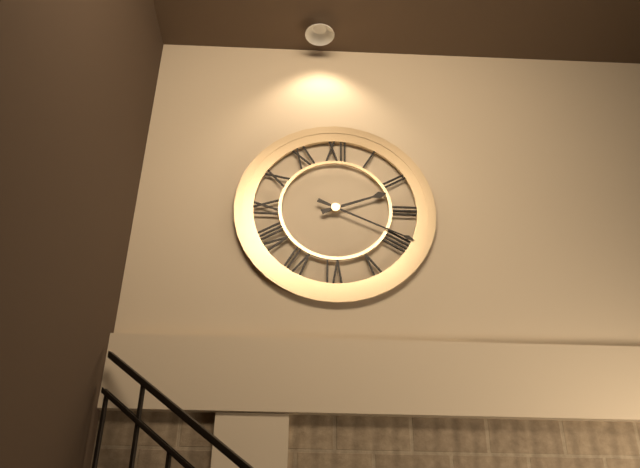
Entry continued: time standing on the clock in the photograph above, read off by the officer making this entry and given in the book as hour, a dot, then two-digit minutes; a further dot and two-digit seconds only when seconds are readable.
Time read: 2.19
